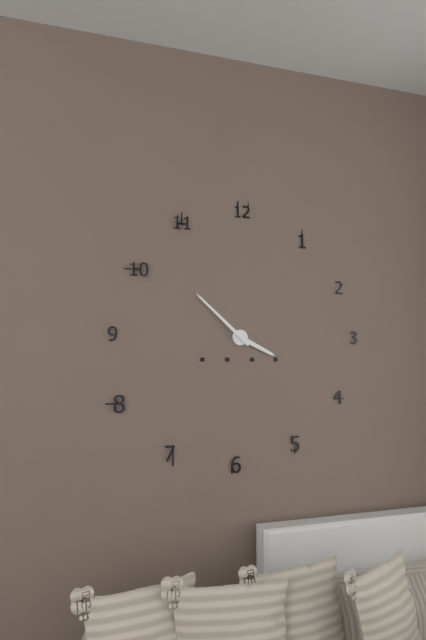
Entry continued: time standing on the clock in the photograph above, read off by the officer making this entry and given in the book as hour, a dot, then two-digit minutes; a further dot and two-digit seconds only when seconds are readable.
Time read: 3.52
